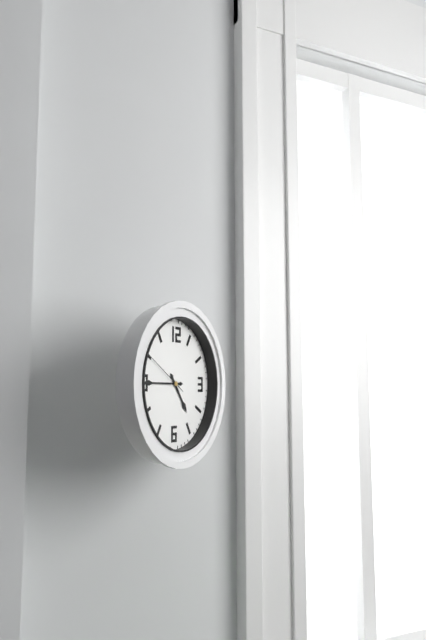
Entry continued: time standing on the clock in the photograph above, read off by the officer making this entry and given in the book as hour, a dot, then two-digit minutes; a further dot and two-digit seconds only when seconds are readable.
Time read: 4.45.50
